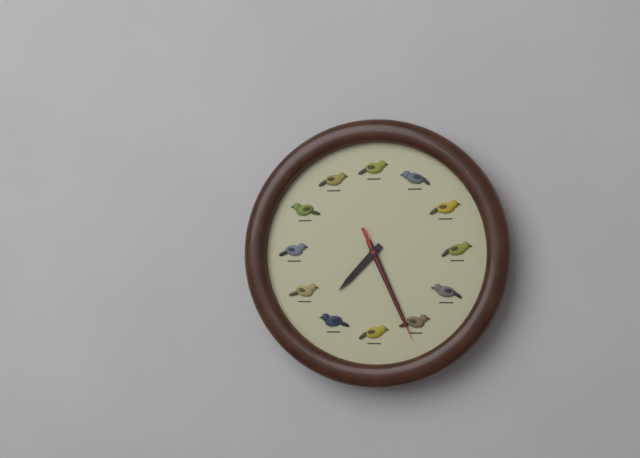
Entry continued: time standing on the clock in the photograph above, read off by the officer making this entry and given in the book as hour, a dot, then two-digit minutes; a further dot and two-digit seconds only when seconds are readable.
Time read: 7.26.26
